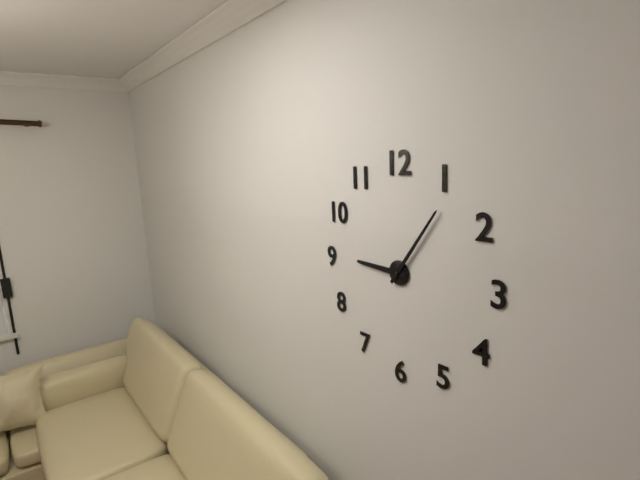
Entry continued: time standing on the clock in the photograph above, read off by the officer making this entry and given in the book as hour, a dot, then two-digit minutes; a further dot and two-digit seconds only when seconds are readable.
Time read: 9.06
